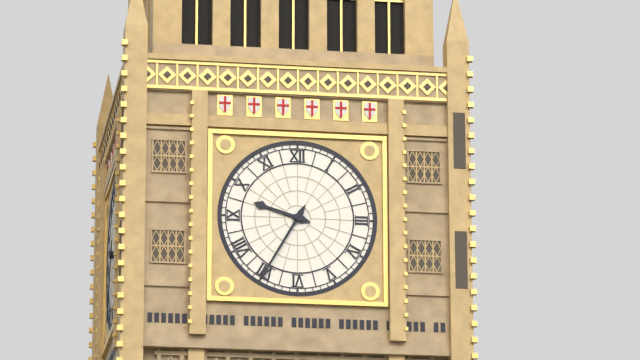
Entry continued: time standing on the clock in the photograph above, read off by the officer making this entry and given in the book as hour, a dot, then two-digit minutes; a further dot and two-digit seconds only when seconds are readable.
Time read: 9.35
